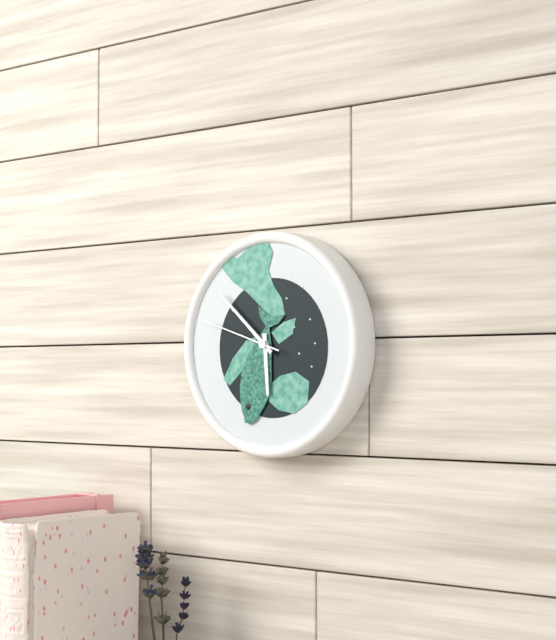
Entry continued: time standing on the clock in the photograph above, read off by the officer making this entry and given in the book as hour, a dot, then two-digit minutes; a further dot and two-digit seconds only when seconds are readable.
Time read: 5.52.48
